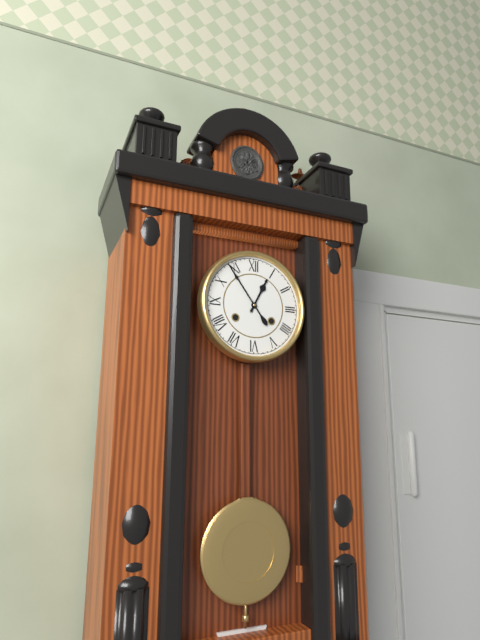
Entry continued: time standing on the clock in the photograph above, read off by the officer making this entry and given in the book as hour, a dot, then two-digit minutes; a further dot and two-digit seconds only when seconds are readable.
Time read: 12.54
